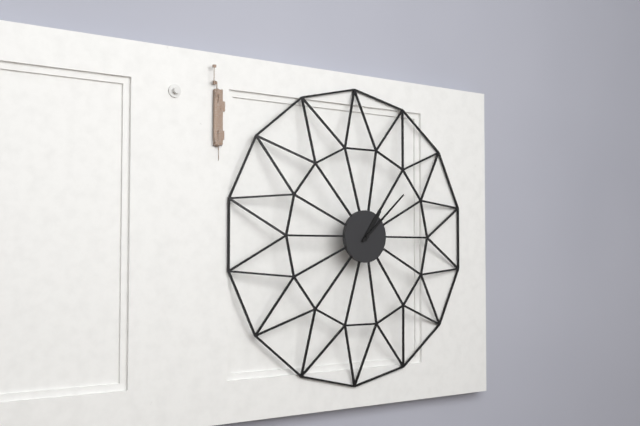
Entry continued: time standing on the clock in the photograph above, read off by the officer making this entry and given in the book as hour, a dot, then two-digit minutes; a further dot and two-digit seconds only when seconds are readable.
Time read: 1.08
